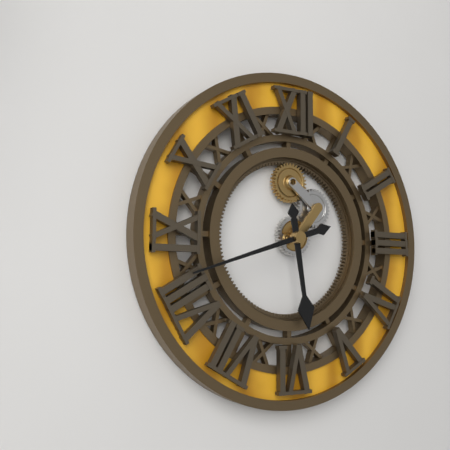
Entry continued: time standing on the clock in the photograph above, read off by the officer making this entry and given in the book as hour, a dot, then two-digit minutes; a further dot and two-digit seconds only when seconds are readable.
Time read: 5.42
